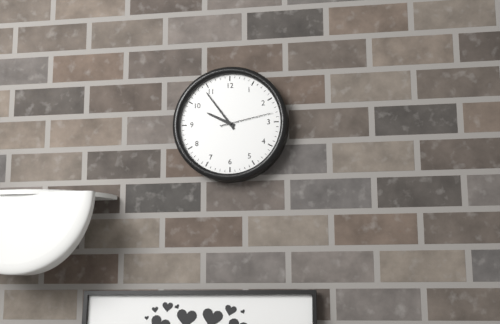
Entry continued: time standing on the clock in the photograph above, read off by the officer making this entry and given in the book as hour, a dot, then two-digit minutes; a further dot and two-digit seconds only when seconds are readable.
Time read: 9.54.13
